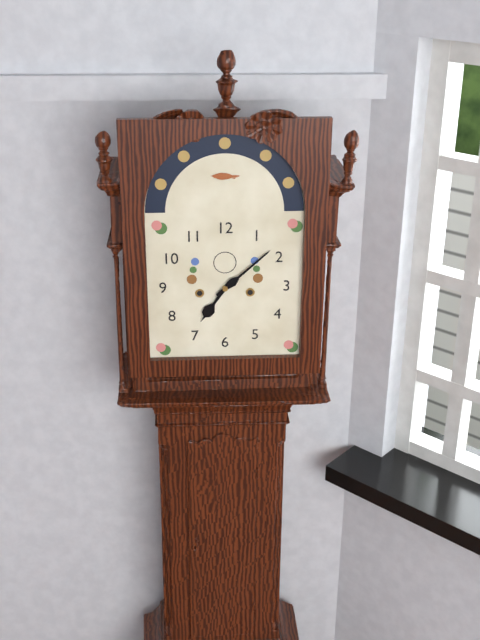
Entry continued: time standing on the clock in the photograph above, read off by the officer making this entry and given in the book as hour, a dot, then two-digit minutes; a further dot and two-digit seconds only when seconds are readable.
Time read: 7.08
